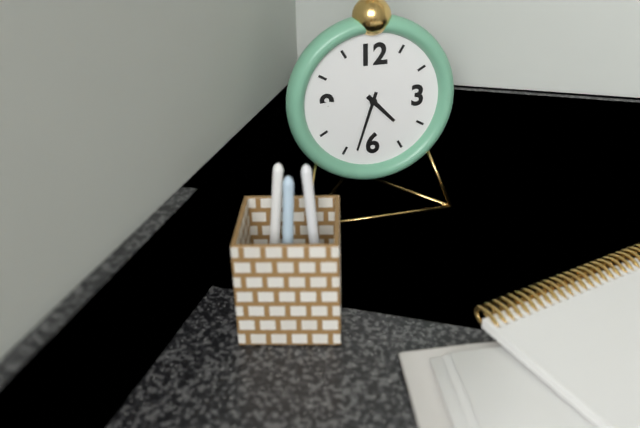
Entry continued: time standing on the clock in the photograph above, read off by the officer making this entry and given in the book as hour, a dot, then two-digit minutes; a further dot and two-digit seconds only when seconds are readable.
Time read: 4.33
